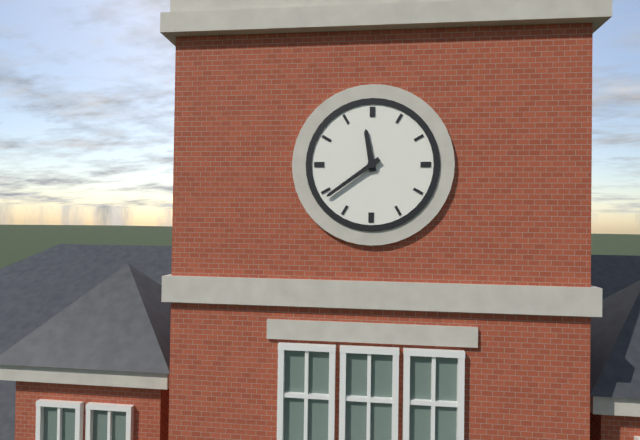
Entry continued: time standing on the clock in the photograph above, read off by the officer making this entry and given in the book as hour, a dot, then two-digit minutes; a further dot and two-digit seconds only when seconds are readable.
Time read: 11.39
